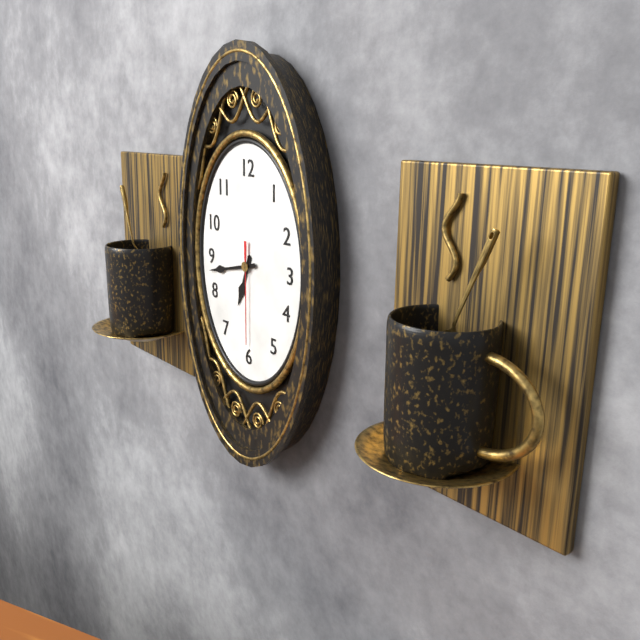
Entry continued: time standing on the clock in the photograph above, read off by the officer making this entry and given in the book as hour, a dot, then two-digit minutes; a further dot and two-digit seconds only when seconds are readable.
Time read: 6.43.30
